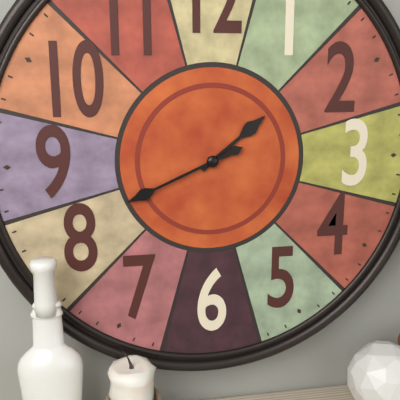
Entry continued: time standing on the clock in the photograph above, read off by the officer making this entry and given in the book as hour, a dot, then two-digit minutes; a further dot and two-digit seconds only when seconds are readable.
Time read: 1.41
